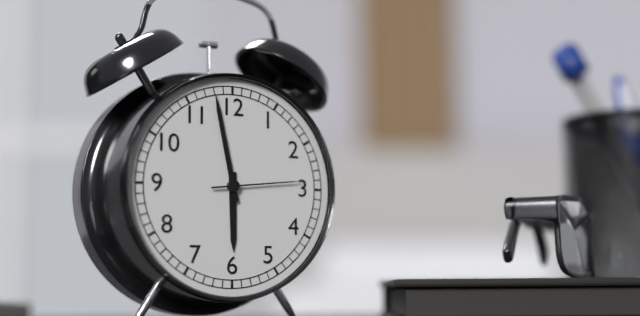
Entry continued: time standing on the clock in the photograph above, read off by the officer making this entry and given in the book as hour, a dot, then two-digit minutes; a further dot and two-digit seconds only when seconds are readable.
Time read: 5.58.14
